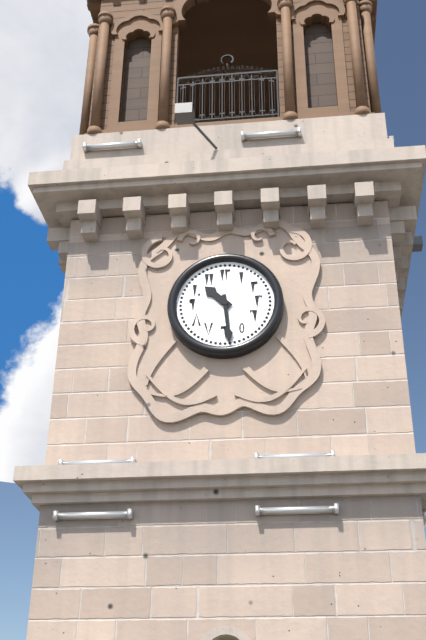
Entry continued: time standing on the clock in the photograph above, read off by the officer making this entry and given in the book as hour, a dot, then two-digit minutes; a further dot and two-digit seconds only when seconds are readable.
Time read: 10.29
